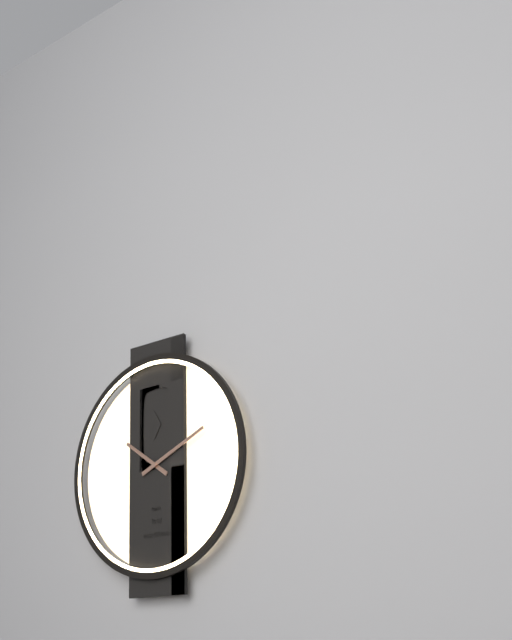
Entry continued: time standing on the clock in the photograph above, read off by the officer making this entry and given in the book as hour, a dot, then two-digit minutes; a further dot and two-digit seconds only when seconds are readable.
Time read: 10.11
